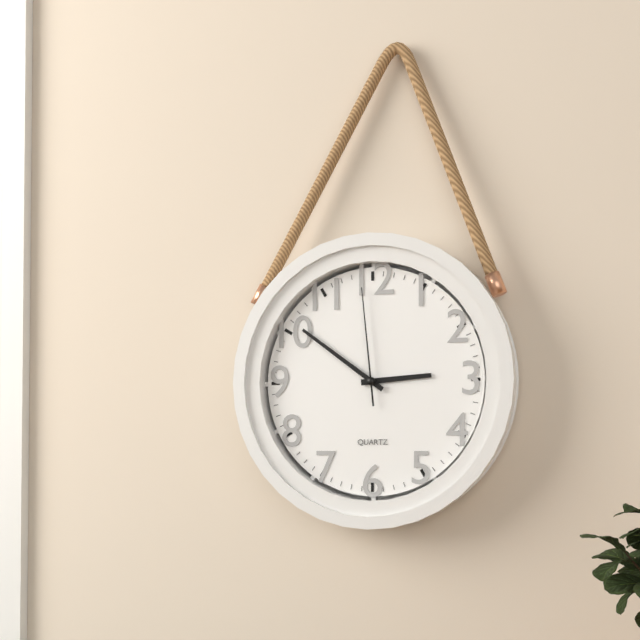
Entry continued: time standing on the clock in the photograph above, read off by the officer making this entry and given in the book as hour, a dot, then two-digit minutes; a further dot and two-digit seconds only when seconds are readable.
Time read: 2.51.59
